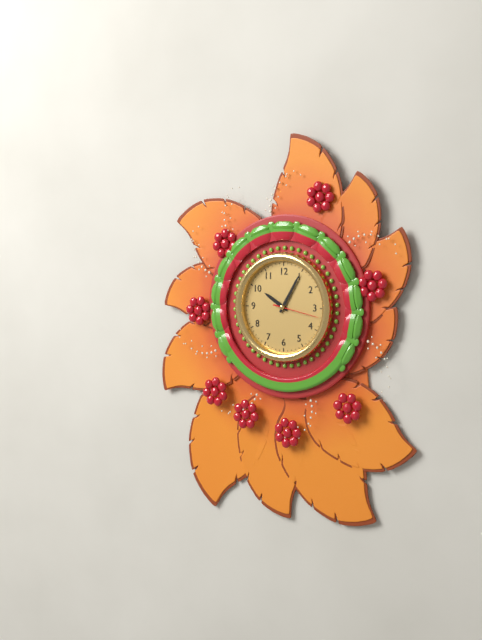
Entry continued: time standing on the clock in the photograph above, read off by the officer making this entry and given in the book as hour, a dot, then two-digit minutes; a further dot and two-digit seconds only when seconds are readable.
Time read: 10.05
